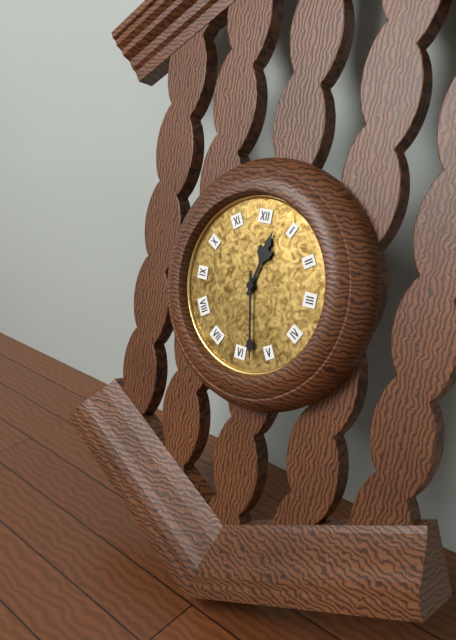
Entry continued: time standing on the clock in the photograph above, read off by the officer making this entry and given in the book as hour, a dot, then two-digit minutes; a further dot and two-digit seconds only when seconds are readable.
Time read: 12.28
